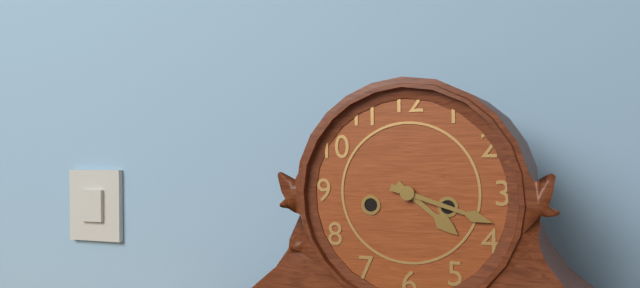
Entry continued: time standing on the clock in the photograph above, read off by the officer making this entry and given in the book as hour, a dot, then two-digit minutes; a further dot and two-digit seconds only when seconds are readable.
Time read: 4.18
